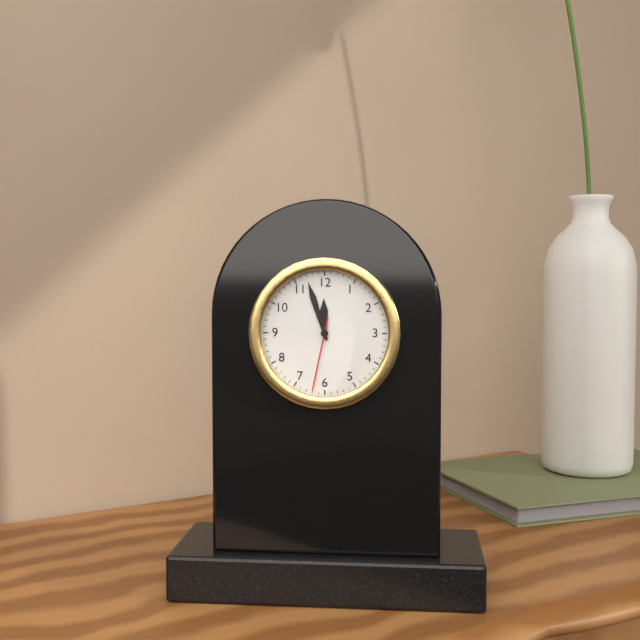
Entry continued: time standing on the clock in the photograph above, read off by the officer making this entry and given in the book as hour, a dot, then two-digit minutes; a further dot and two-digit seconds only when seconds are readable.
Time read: 11.57.32
